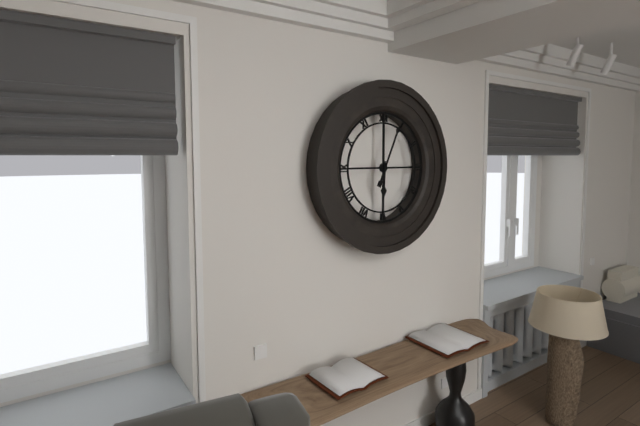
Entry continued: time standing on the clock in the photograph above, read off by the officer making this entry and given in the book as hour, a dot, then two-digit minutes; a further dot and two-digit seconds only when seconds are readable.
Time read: 6.04
